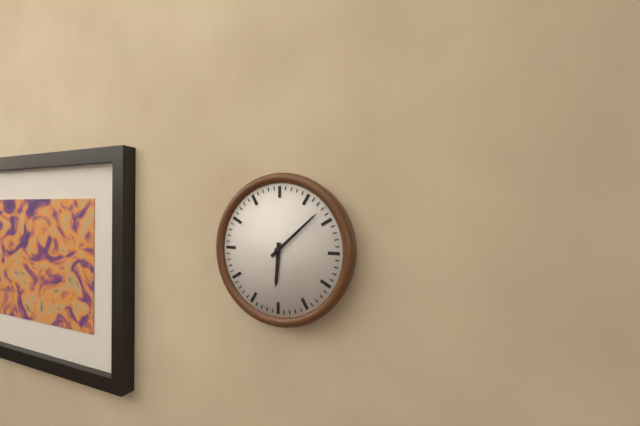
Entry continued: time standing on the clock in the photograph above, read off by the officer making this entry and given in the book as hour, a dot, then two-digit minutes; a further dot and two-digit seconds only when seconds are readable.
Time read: 6.08
